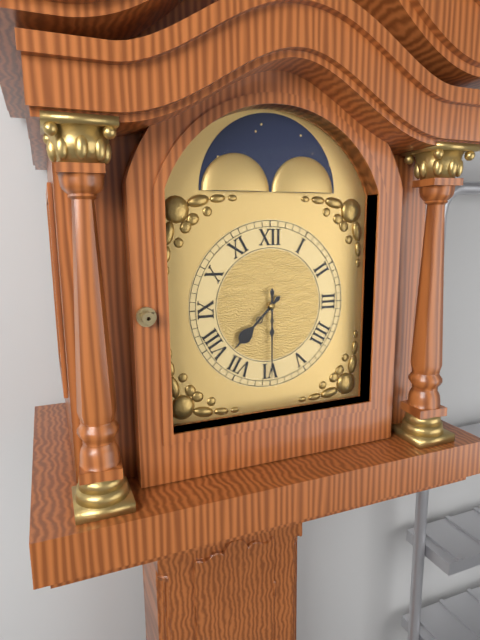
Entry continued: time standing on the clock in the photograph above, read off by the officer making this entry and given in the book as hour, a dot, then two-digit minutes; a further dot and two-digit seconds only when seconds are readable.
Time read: 7.30
